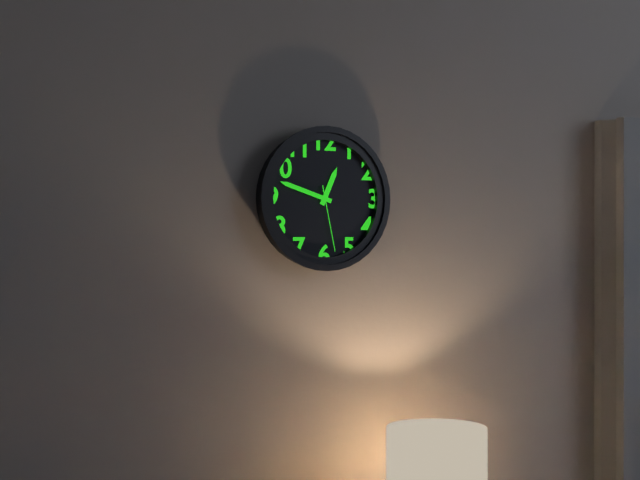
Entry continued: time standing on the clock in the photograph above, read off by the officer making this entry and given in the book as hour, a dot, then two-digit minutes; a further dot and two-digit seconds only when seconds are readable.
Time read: 12.48.28
